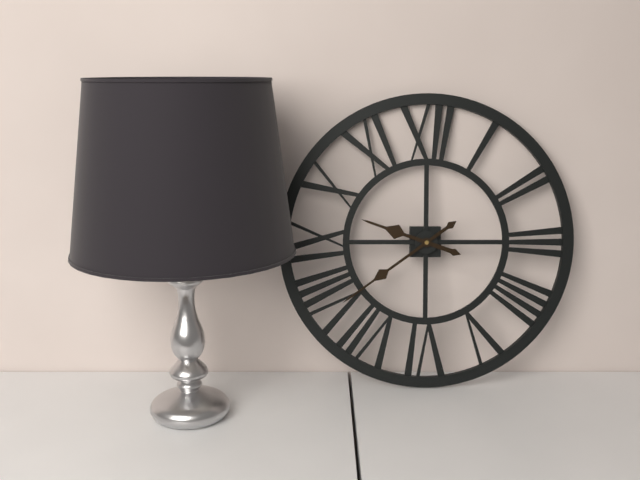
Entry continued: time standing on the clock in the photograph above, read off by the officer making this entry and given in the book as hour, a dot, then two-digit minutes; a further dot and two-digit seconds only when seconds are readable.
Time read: 9.39
